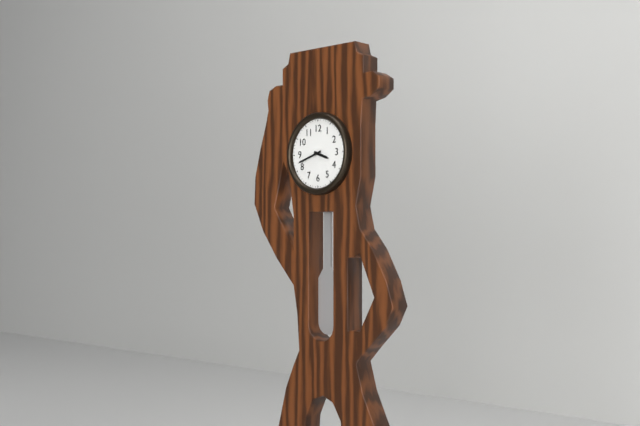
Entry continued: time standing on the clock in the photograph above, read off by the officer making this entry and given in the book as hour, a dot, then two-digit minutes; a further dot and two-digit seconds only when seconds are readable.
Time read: 3.42
